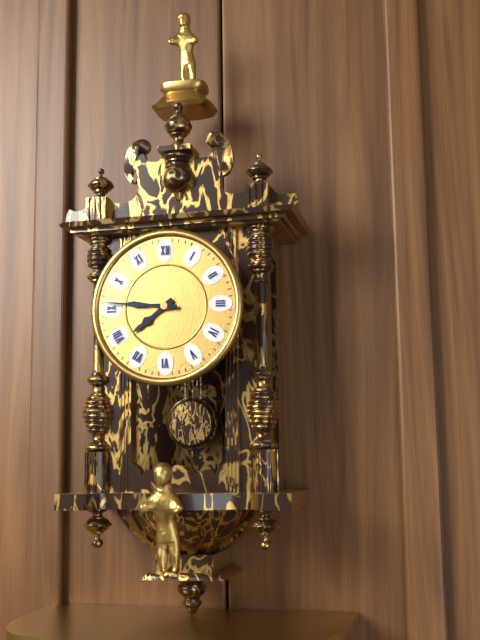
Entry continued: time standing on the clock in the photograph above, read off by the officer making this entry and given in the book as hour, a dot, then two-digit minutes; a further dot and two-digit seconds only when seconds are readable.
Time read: 7.46
